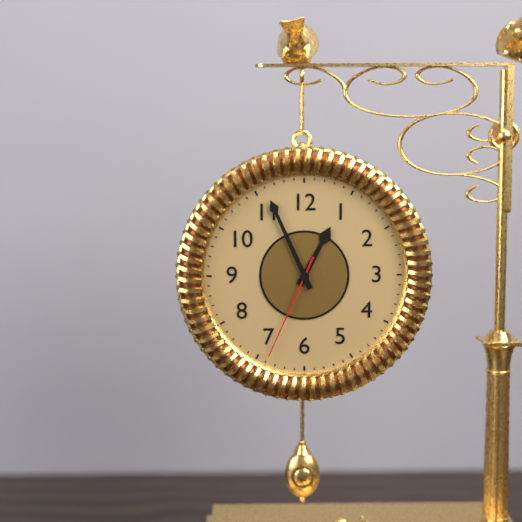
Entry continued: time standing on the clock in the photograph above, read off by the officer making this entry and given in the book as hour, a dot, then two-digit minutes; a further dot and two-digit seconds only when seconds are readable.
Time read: 12.56.34
